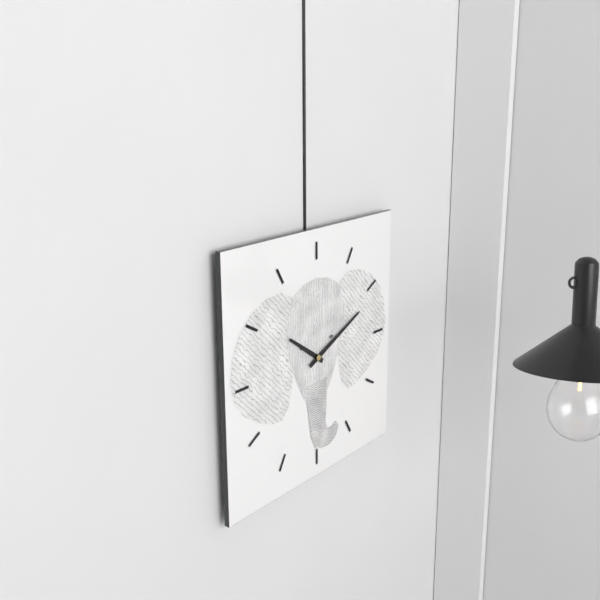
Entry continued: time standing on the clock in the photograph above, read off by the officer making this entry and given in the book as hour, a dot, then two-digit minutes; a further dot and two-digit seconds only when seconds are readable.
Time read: 10.11
